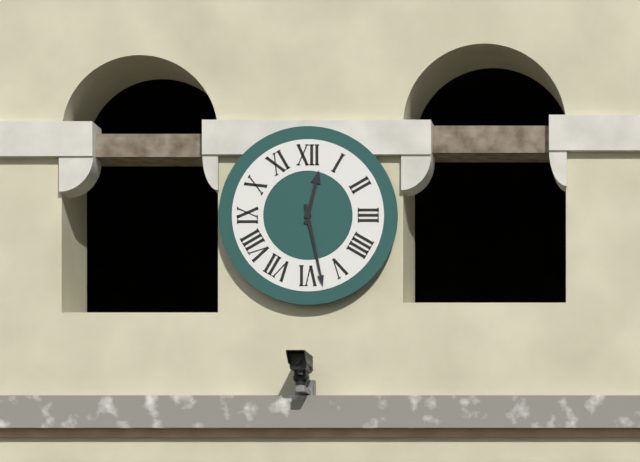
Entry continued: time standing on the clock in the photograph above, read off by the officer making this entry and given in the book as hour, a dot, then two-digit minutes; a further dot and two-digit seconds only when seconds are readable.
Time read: 12.28
